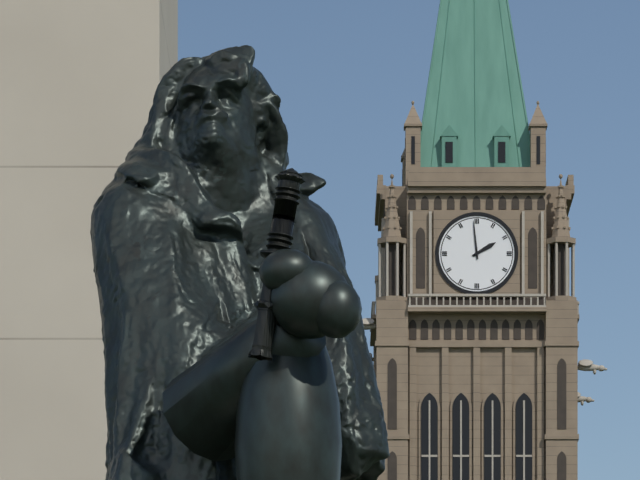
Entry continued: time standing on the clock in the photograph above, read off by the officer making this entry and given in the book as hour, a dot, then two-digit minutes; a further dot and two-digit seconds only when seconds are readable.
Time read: 1.59
